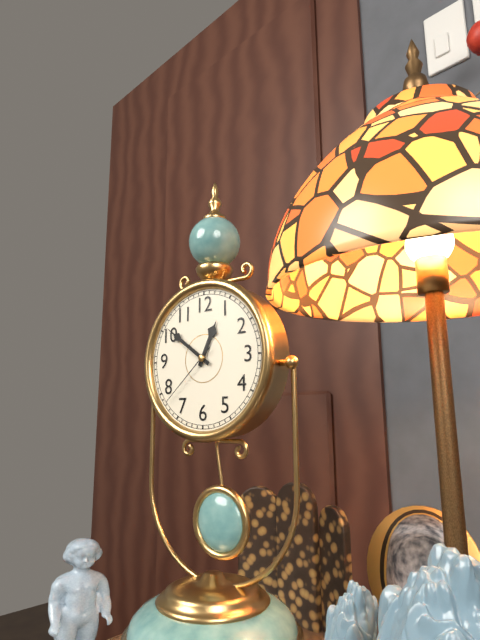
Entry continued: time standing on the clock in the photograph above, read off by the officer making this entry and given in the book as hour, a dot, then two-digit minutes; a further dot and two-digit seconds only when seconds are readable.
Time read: 12.51.38
